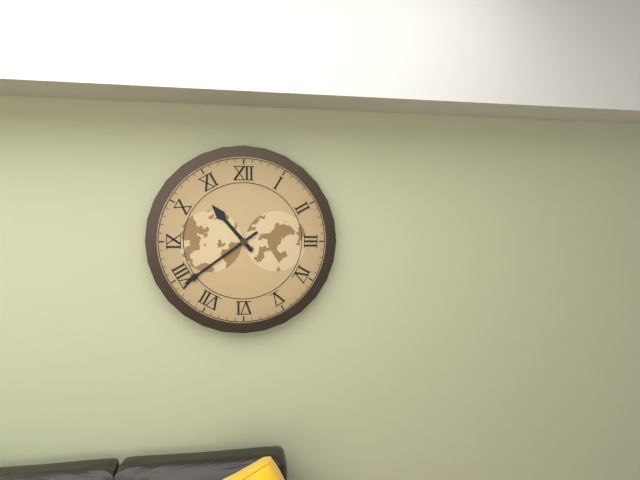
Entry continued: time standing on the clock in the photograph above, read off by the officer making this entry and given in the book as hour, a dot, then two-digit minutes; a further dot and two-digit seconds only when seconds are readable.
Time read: 10.39
